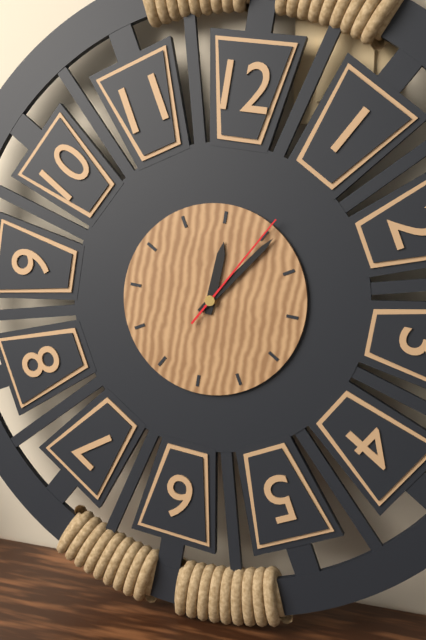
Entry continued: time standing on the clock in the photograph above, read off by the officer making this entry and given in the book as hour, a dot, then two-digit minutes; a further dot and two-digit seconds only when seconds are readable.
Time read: 12.06.05
